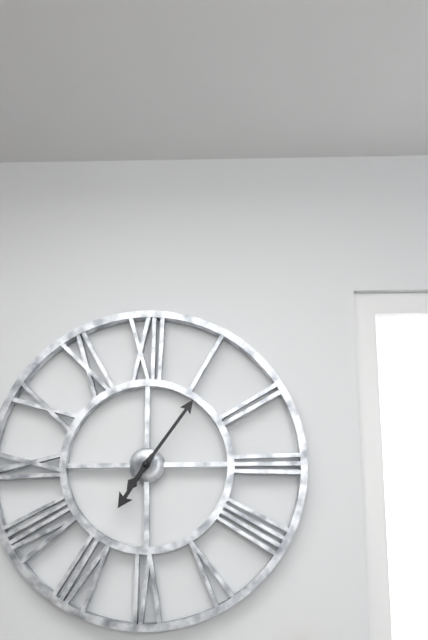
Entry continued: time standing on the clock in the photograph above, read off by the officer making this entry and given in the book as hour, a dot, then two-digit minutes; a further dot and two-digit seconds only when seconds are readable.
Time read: 7.06
